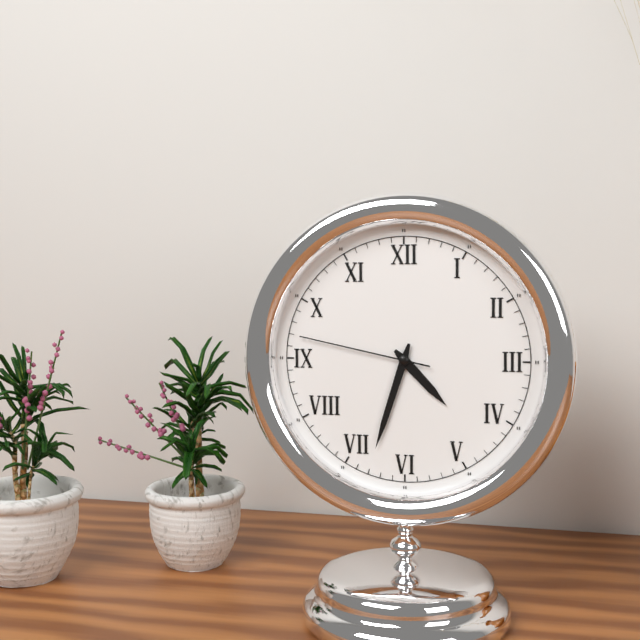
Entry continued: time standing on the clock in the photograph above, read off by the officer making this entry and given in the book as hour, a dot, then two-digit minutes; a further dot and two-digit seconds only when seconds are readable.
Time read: 4.33.47
